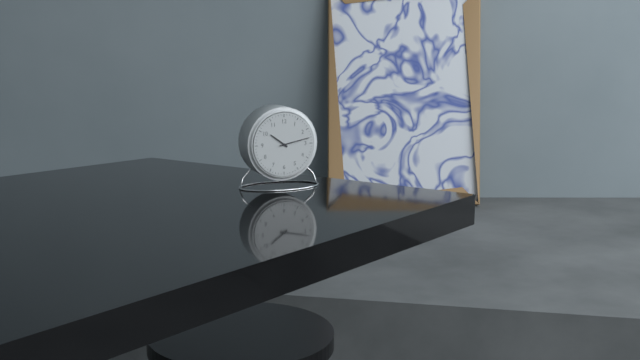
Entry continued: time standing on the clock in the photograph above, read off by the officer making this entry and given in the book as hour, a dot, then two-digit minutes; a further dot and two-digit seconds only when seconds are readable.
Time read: 10.13
